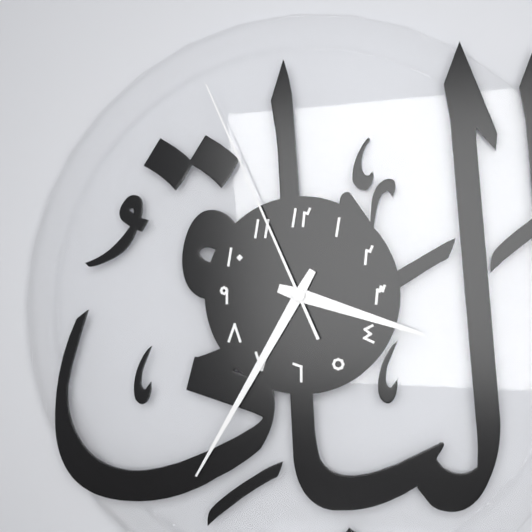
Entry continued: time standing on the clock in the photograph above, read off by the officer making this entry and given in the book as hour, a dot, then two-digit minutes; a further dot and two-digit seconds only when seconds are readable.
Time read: 3.35.56
